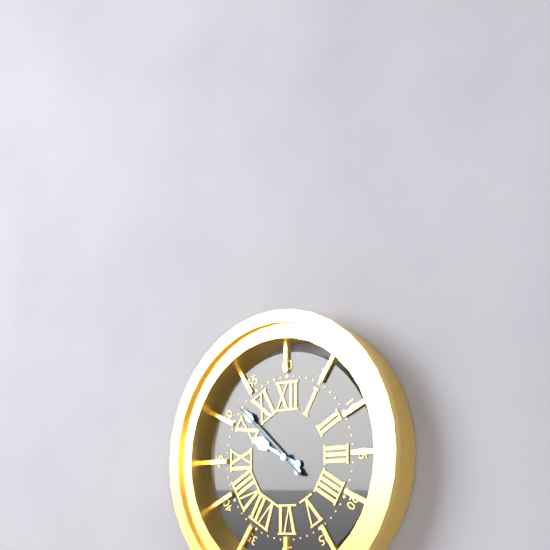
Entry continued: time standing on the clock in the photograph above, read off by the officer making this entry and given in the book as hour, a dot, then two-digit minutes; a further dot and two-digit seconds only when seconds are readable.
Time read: 9.52.52
